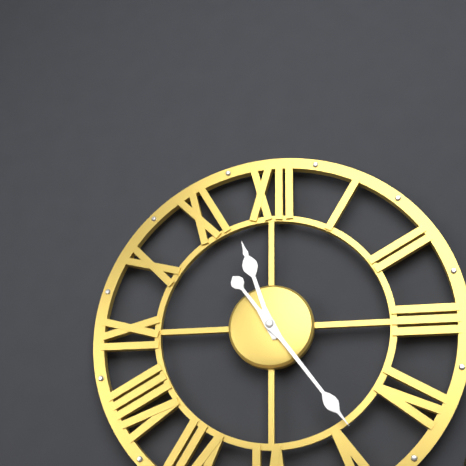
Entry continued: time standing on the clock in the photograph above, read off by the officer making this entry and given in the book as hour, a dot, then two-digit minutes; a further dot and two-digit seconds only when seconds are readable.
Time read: 11.24
